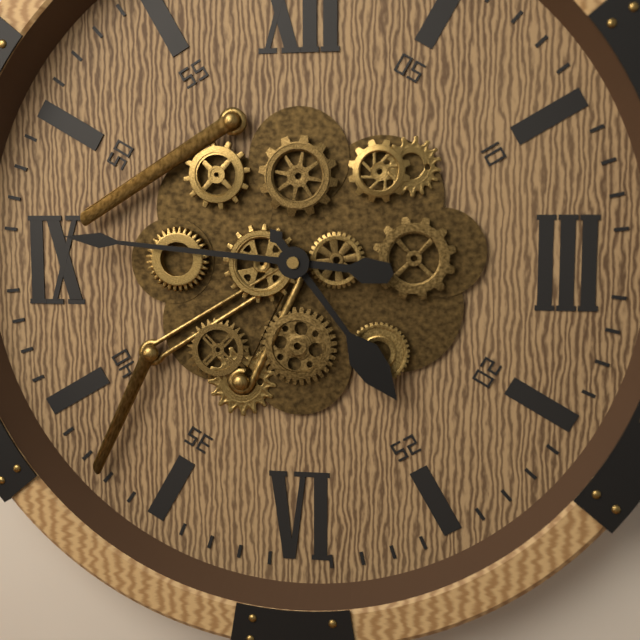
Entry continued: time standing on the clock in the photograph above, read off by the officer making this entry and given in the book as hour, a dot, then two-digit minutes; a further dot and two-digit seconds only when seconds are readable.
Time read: 4.46
